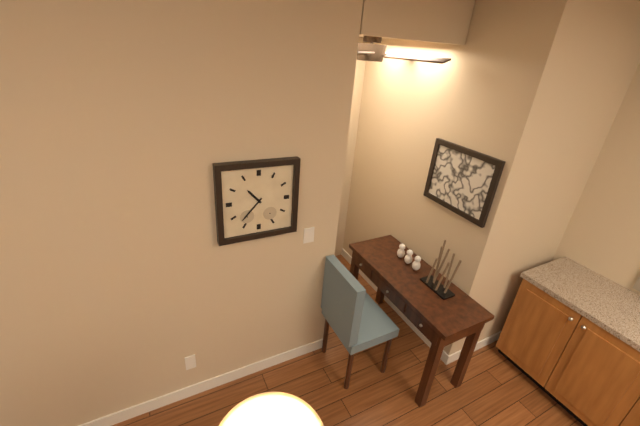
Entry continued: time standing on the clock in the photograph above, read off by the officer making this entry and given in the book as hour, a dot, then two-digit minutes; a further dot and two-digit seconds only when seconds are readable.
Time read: 10.37
